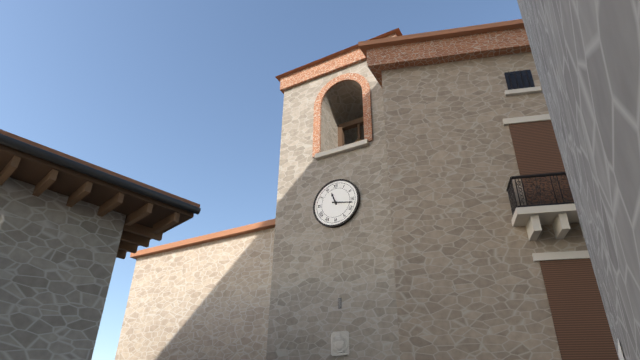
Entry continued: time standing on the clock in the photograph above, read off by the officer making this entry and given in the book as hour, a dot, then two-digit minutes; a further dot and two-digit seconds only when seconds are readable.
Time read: 11.17
